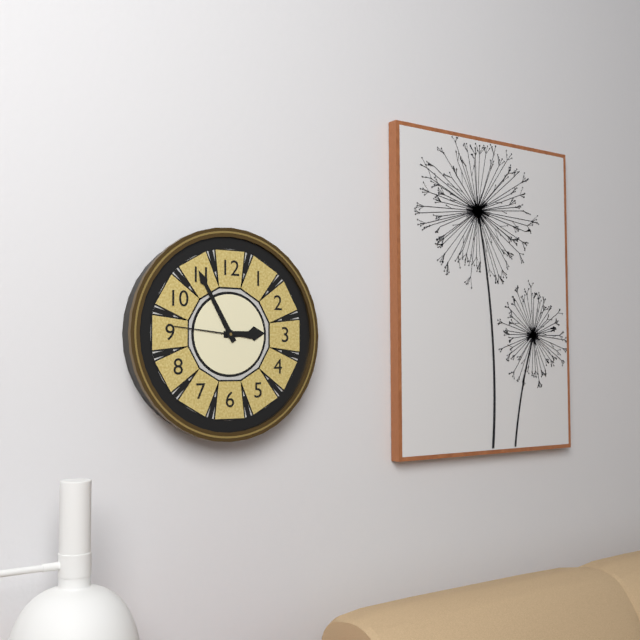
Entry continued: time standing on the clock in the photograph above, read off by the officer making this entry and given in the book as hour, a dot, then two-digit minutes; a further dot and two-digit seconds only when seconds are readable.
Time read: 2.55.46
